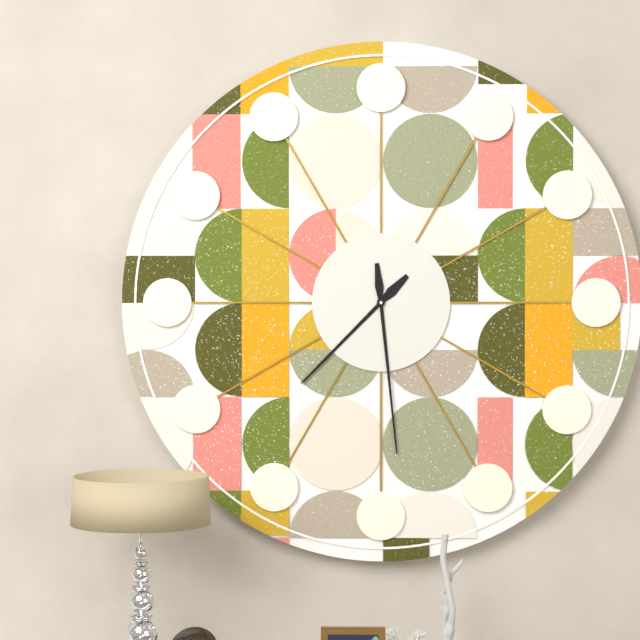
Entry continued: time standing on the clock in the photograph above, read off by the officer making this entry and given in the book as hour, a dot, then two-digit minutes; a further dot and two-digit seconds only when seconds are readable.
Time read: 7.29
